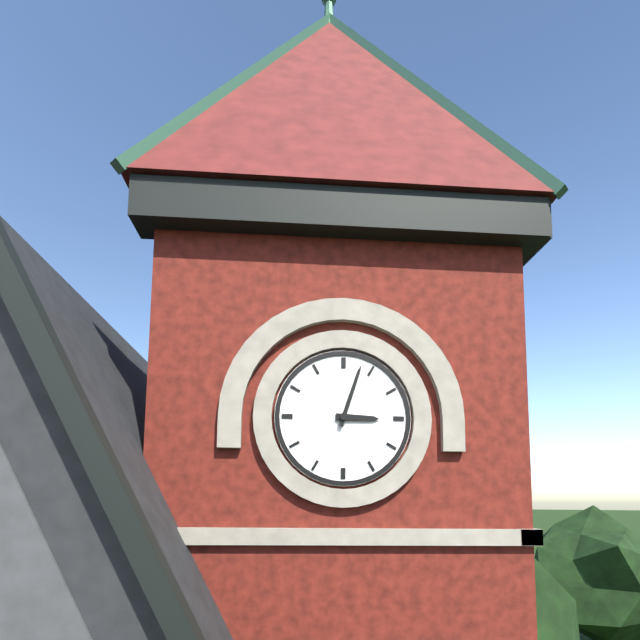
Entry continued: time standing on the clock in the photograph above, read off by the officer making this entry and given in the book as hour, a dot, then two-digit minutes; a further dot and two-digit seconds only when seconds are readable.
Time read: 3.03
